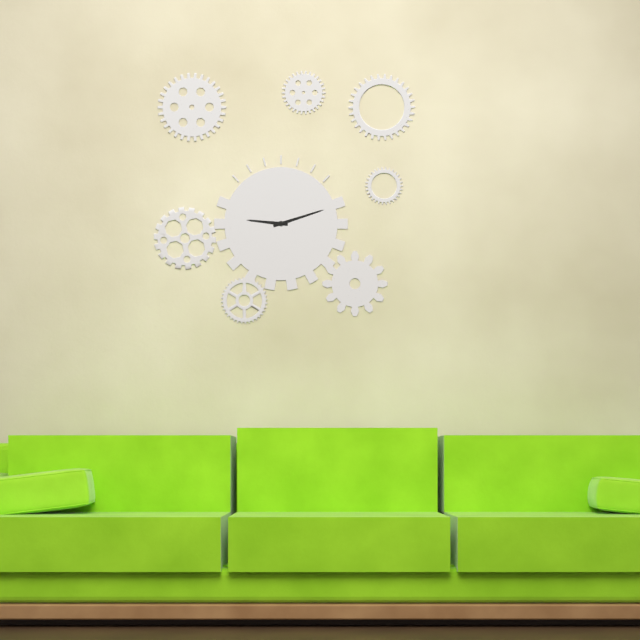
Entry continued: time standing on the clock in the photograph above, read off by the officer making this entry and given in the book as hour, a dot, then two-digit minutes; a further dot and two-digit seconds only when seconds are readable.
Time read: 9.12
